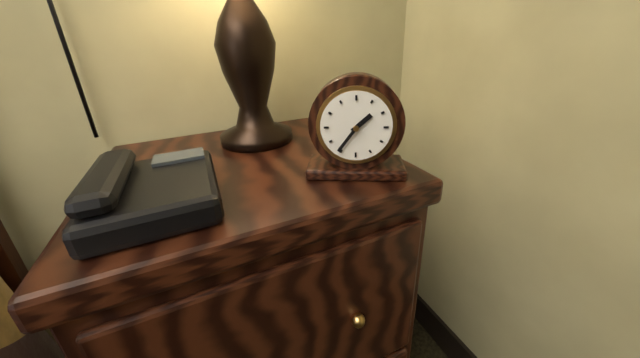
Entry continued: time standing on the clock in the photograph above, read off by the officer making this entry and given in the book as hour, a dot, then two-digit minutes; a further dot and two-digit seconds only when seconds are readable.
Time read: 1.36
